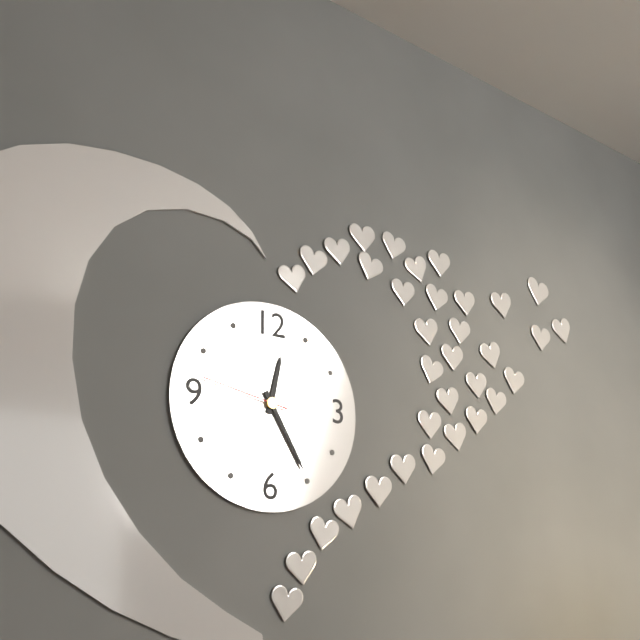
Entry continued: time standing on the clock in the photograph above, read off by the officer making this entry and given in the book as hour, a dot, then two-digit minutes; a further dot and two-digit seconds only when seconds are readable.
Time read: 12.25.47
